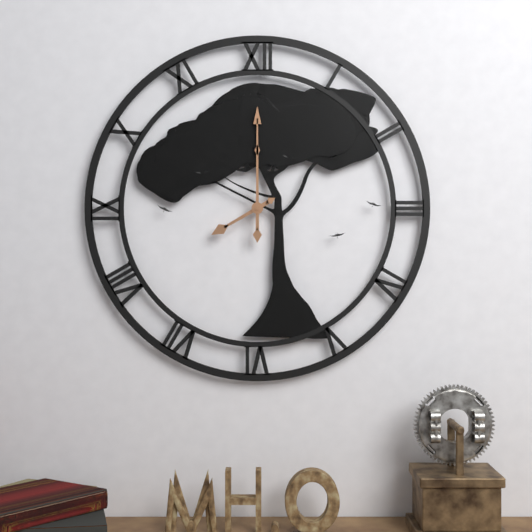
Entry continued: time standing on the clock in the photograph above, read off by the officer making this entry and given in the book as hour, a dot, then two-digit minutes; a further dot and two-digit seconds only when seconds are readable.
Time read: 8.00
